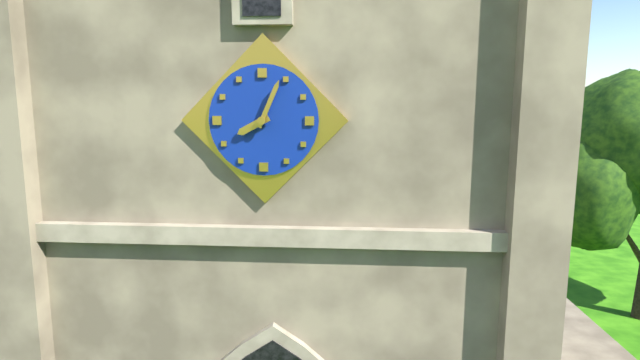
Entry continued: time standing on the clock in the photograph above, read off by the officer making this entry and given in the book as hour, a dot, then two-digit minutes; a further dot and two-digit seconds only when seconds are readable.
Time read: 8.04
